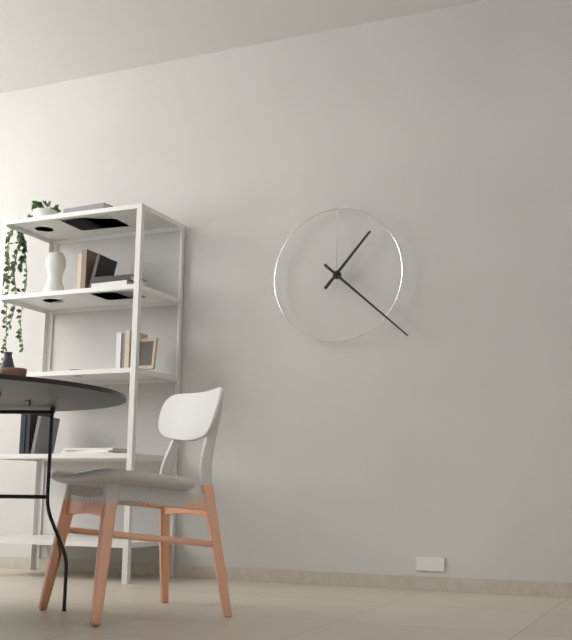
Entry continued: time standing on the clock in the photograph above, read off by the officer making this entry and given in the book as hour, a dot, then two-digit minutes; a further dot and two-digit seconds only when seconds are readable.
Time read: 1.22
